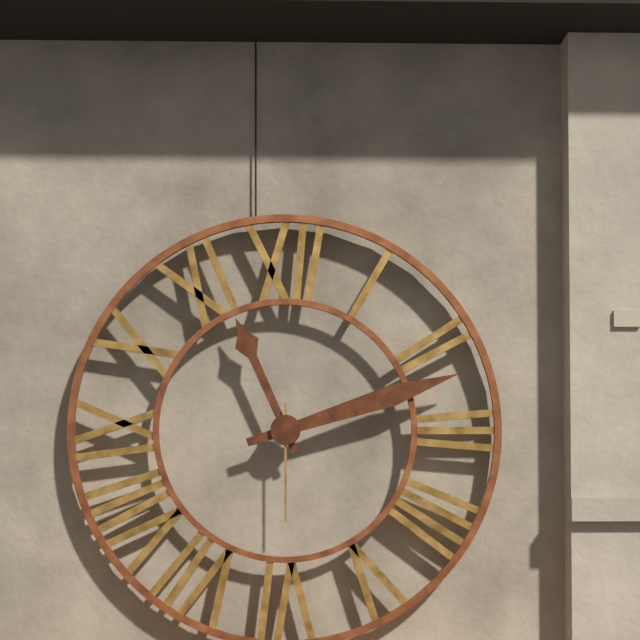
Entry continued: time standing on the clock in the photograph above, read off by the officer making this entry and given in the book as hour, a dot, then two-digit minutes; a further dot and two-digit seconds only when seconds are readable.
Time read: 11.12.30
